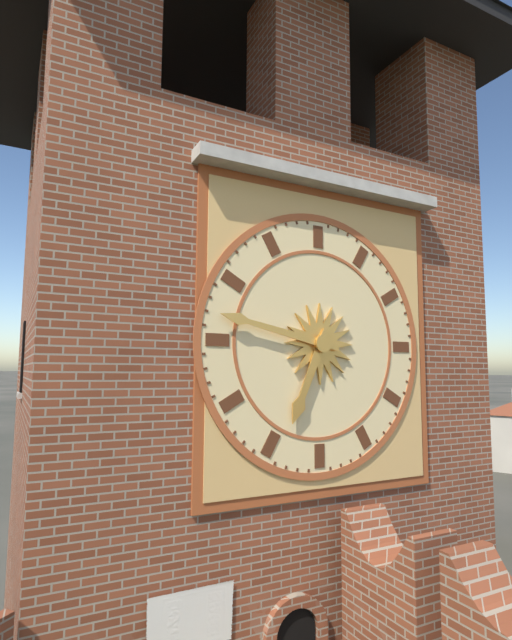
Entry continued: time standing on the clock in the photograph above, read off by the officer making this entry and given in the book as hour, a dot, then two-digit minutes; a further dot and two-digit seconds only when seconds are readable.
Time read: 6.47
